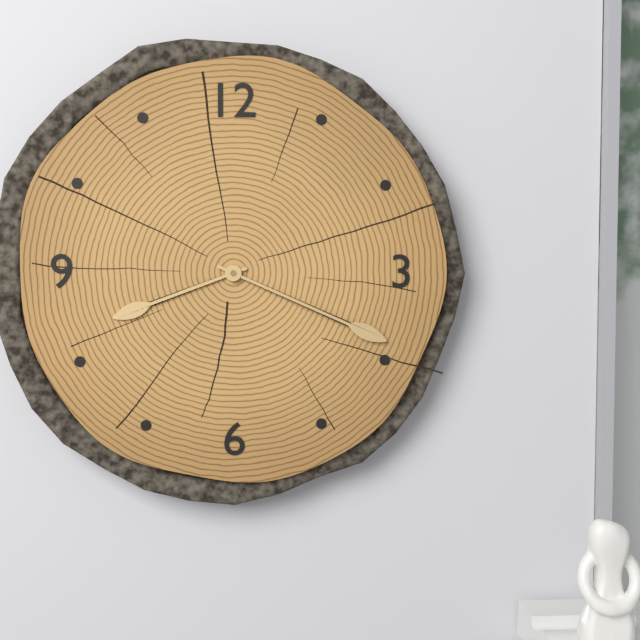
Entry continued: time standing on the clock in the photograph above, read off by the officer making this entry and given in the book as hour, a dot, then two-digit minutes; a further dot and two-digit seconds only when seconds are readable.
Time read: 8.19
